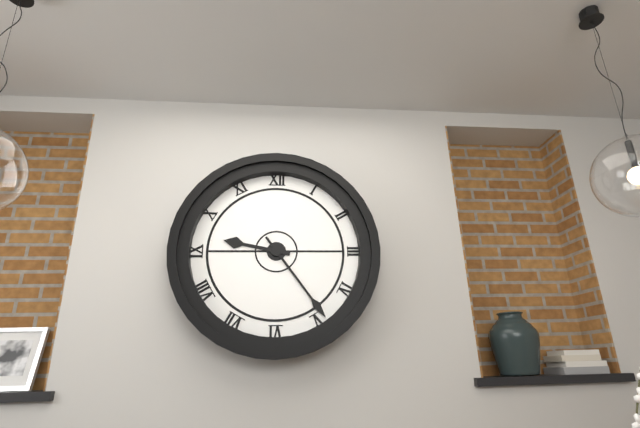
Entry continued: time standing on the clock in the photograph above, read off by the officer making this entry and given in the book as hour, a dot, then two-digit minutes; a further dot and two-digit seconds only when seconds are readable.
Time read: 9.24
